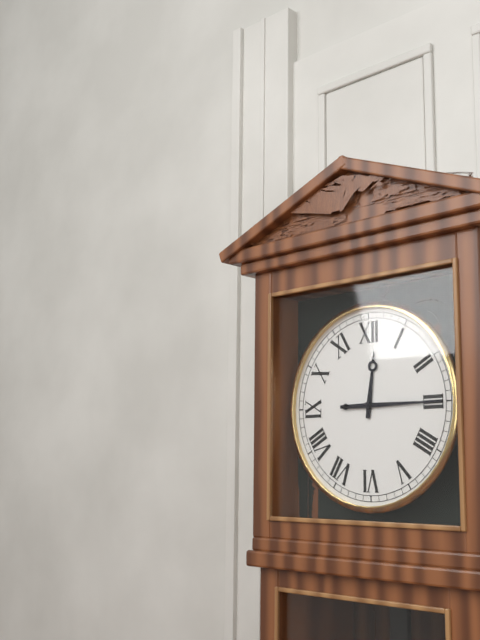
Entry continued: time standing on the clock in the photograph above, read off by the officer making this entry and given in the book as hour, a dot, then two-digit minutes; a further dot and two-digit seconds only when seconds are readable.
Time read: 12.15
